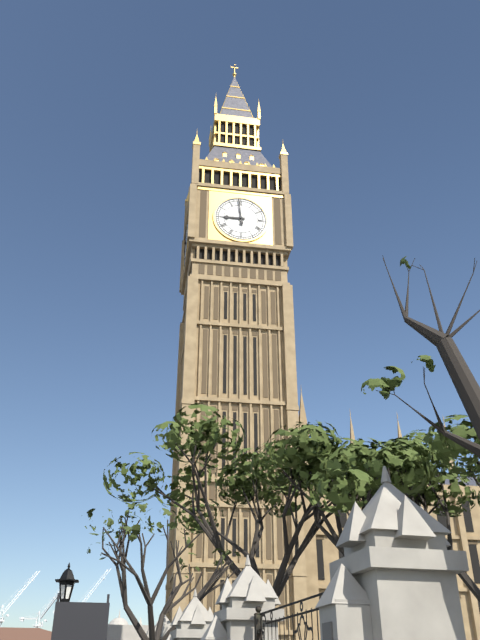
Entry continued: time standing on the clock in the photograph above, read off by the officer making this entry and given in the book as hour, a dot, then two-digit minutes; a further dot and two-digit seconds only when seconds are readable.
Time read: 8.59
